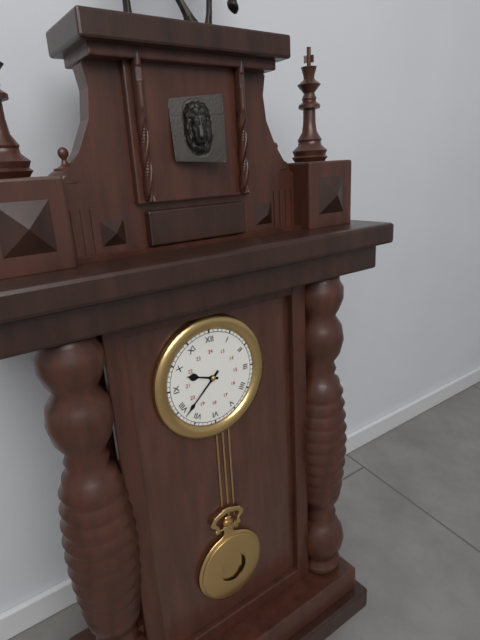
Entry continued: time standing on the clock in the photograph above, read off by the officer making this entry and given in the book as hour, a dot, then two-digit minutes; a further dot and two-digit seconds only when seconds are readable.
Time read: 9.38
